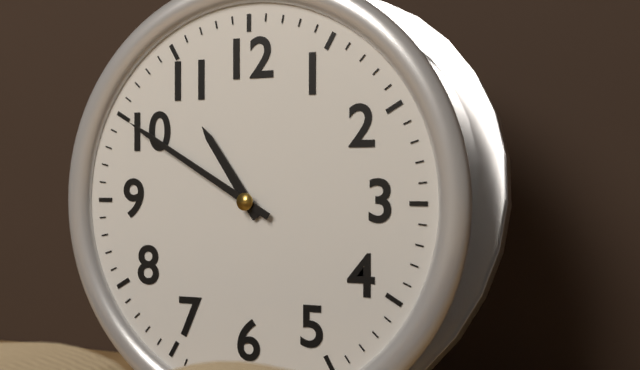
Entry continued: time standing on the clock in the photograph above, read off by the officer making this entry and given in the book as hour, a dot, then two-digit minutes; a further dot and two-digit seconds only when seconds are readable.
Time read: 10.50
